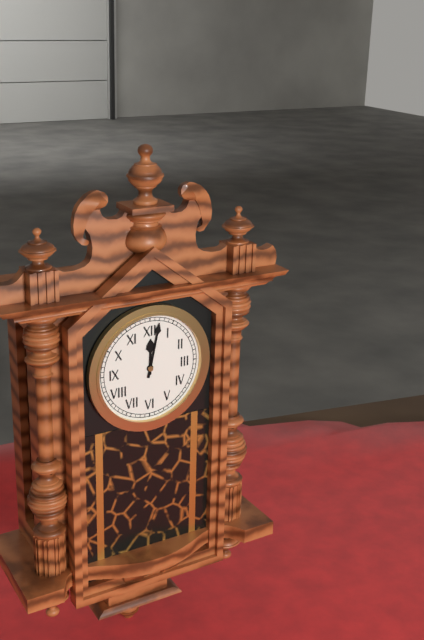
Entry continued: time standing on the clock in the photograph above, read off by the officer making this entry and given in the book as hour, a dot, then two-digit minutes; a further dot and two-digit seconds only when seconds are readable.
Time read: 12.02
